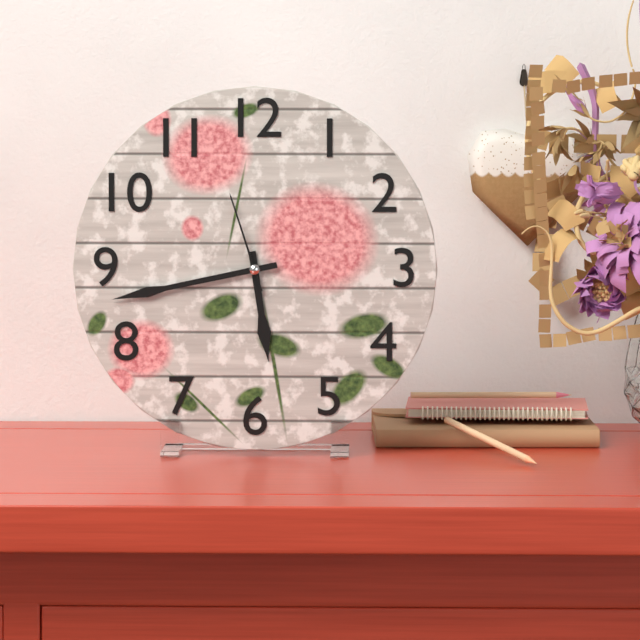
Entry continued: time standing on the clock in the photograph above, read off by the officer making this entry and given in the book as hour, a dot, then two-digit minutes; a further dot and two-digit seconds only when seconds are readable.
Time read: 5.43.57
